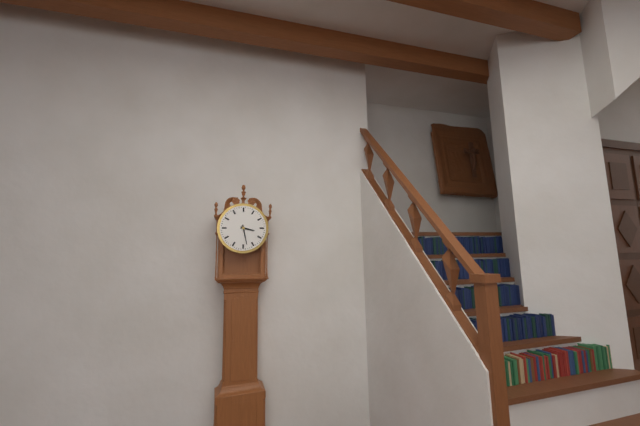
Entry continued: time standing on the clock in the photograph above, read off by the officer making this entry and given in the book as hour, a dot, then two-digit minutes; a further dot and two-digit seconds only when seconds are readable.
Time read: 3.28
